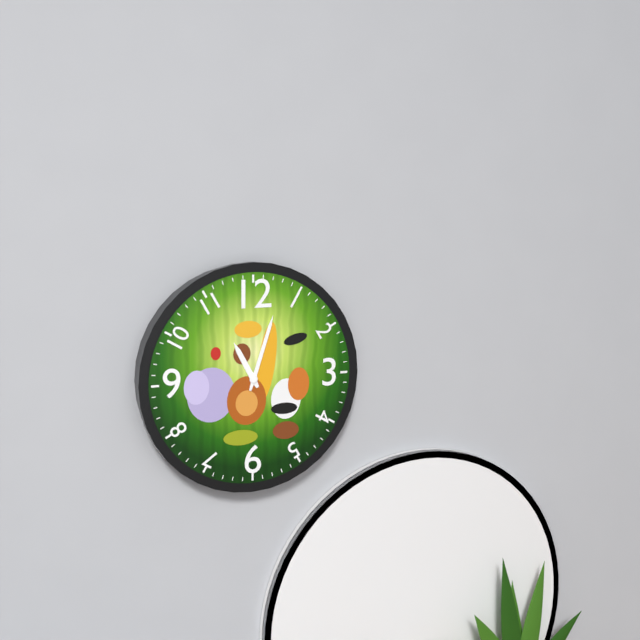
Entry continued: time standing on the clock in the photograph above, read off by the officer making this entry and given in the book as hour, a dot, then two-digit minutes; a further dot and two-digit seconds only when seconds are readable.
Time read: 11.03
